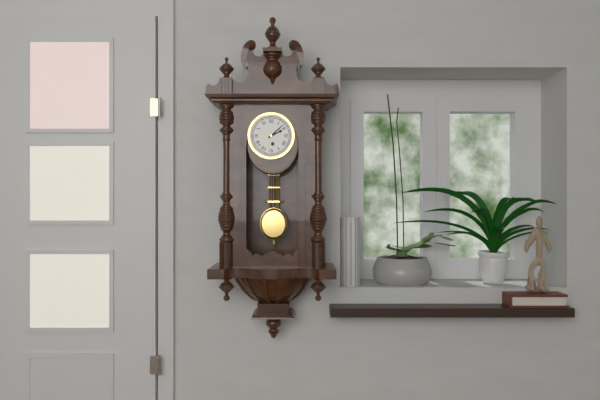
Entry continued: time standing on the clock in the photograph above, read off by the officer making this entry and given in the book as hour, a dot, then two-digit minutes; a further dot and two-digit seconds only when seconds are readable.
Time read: 2.08
